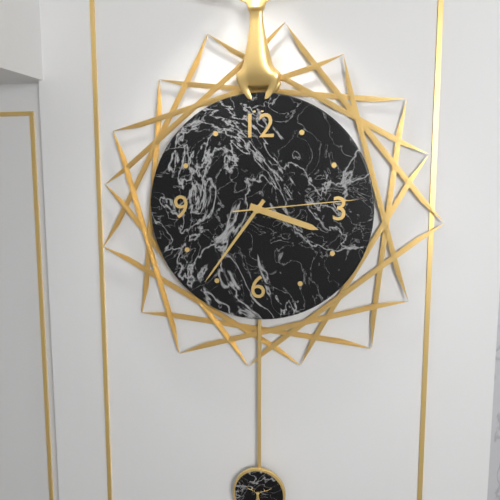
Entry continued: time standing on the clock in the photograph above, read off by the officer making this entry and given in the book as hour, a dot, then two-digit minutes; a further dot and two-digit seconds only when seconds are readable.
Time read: 3.36.14
